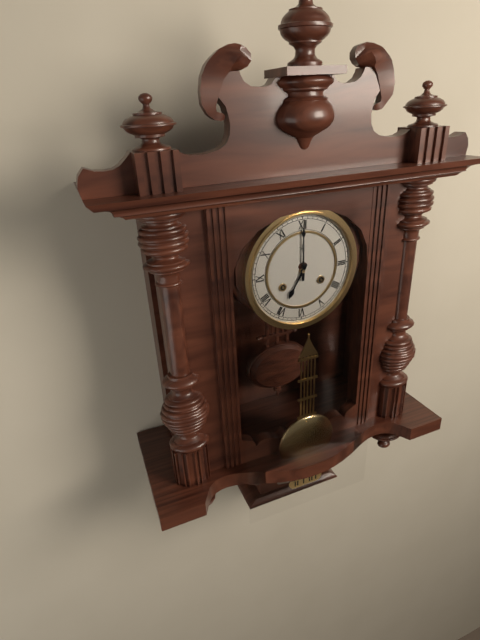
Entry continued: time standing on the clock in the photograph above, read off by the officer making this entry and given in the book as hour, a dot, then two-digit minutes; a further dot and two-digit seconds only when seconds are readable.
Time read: 7.00
